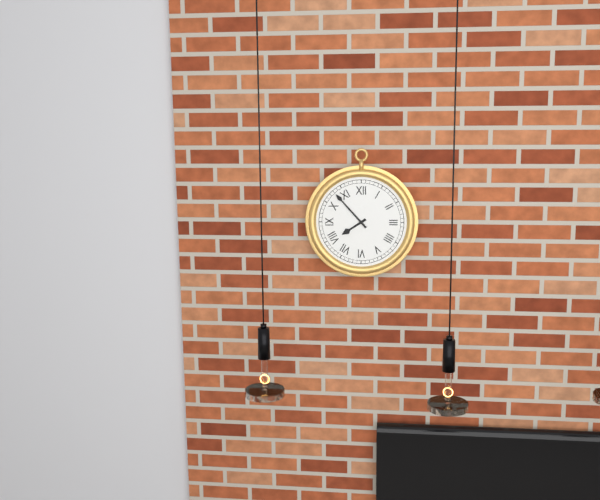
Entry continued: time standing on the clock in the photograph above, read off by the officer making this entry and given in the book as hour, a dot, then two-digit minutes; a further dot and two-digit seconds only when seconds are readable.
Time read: 7.53
